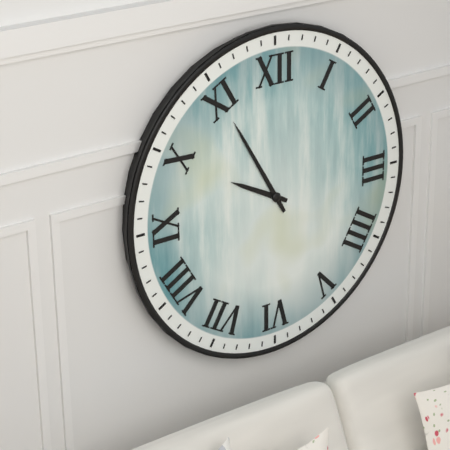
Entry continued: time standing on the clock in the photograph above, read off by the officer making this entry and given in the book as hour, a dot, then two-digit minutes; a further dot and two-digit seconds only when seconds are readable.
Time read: 9.55
